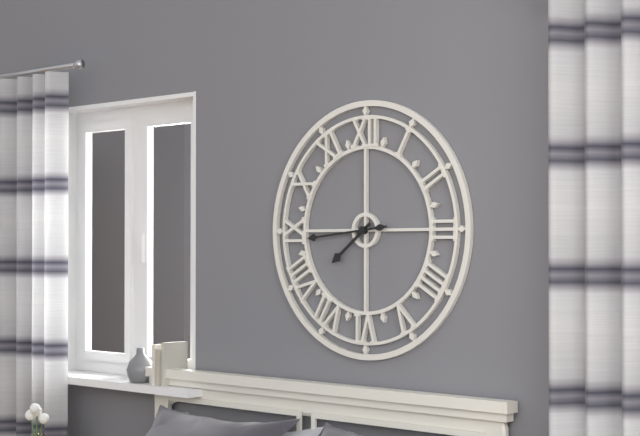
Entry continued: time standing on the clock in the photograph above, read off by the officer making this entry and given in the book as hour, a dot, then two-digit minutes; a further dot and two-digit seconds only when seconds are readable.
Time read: 7.44
